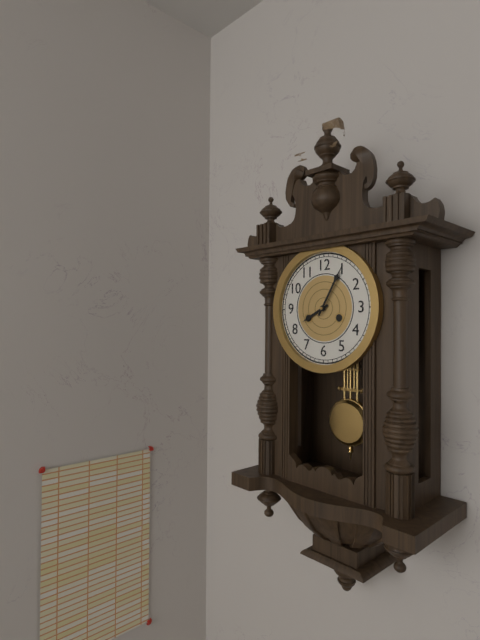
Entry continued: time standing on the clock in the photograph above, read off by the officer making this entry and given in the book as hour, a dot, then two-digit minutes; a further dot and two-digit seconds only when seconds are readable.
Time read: 8.05
